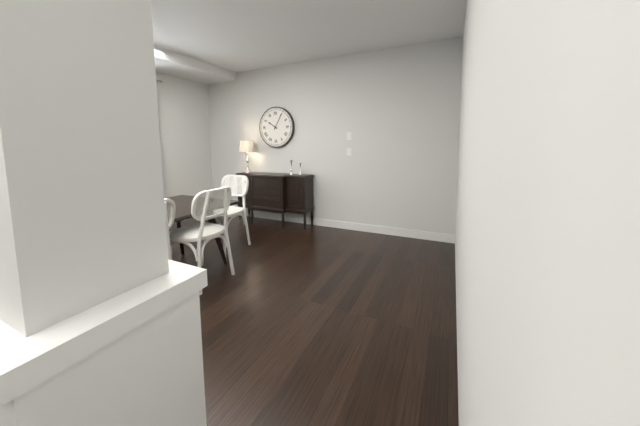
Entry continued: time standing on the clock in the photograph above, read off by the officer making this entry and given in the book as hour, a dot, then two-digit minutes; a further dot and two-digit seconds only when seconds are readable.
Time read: 10.05
